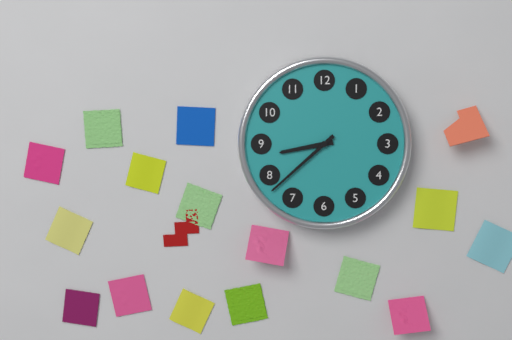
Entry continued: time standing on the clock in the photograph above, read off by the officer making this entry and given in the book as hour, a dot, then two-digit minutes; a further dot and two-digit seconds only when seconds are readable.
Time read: 8.38
